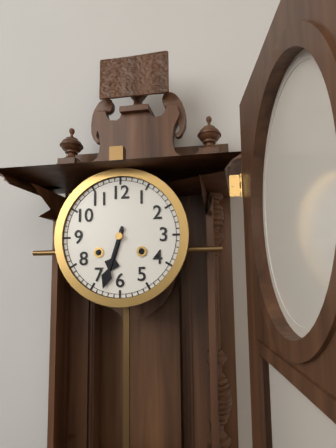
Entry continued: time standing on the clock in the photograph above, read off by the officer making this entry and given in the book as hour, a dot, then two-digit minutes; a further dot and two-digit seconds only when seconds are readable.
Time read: 6.33
